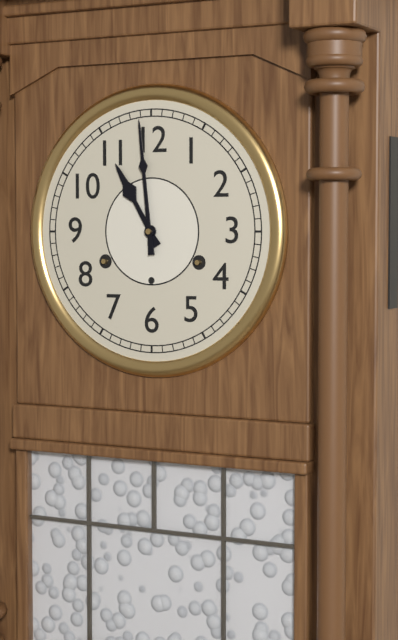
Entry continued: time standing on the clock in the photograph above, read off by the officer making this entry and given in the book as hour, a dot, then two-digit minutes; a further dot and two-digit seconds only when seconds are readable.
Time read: 10.59
